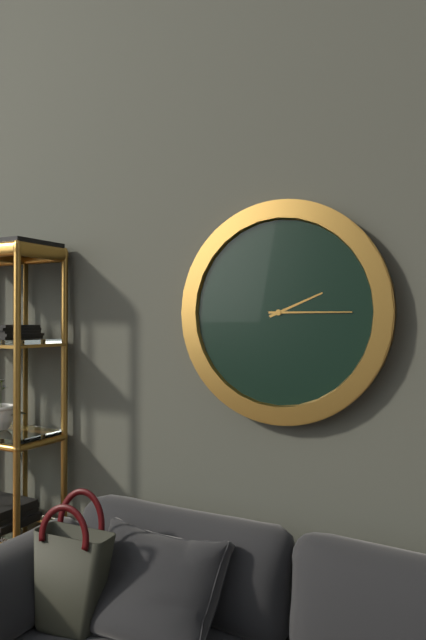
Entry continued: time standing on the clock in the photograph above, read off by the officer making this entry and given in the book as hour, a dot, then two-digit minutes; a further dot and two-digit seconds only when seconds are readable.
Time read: 2.15
